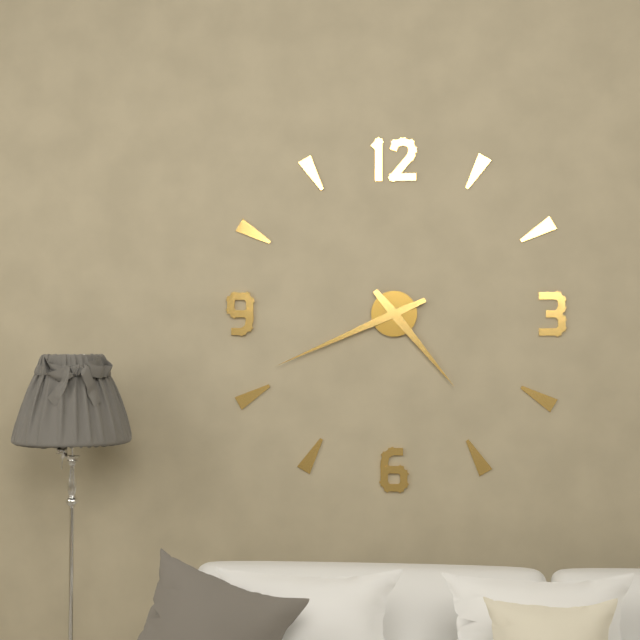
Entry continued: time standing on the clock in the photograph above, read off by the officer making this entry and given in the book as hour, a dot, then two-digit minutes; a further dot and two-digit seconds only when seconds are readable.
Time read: 4.41
